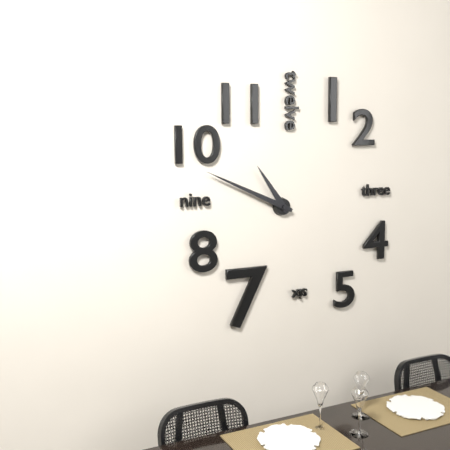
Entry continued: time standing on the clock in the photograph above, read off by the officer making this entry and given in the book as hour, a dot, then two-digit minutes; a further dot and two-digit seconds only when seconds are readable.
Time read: 10.49
